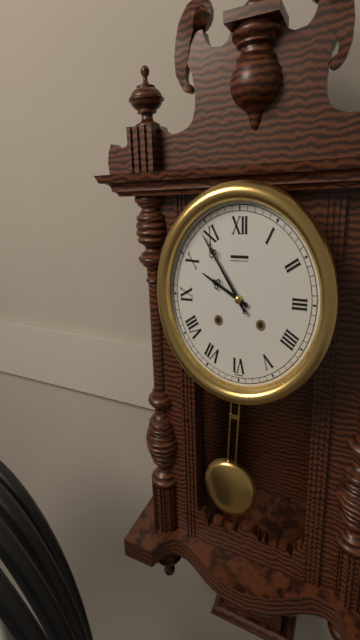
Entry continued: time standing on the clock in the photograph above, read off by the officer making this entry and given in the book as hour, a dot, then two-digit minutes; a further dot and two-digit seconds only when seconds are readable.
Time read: 9.54
